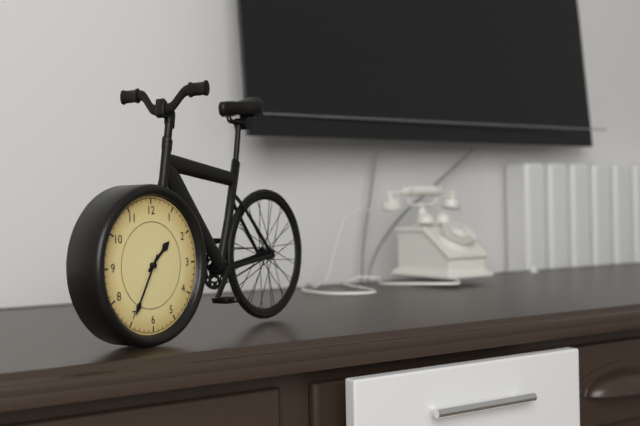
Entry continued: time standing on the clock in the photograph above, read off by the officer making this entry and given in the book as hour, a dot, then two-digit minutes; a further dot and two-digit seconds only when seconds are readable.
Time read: 1.35
